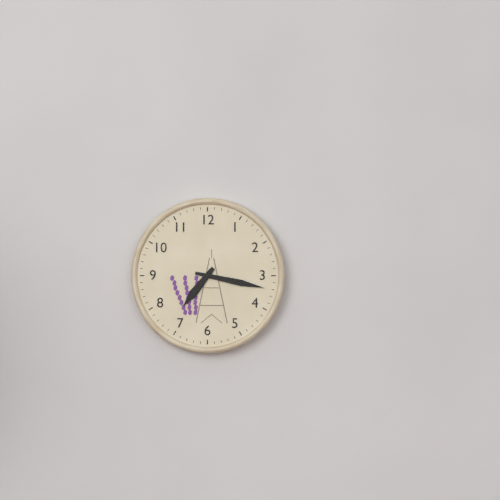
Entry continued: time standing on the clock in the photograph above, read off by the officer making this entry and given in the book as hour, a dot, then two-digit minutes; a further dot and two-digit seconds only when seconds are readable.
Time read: 7.17
